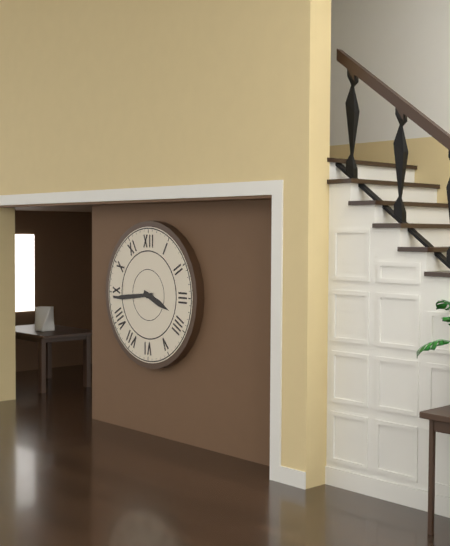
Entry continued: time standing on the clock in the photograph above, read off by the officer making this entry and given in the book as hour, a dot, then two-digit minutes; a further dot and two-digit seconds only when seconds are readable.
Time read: 3.44
